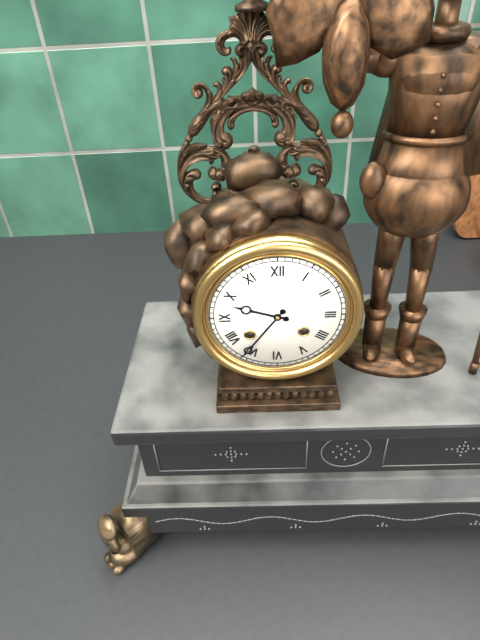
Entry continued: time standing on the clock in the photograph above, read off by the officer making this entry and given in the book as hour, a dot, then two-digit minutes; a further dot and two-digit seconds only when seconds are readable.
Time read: 9.36
